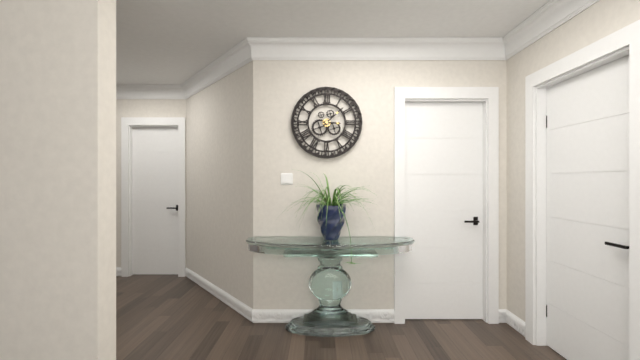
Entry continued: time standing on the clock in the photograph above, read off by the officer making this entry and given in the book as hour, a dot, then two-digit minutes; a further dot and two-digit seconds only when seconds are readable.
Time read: 3.08
